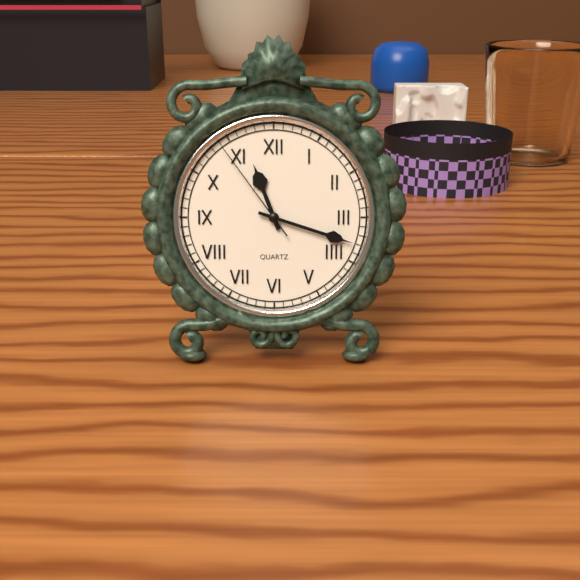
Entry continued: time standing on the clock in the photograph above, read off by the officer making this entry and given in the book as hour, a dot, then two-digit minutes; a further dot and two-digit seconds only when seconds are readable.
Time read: 11.18.54
